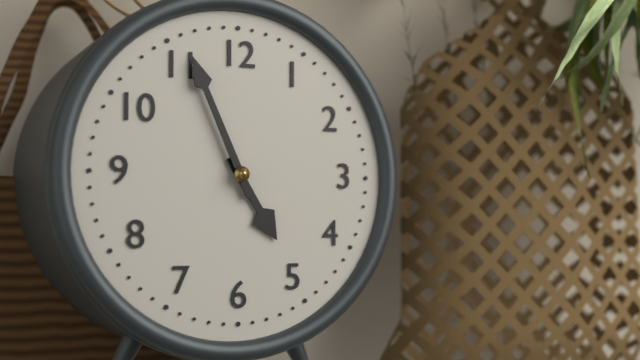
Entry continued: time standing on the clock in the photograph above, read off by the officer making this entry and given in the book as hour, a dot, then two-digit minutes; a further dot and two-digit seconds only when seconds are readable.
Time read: 4.56
